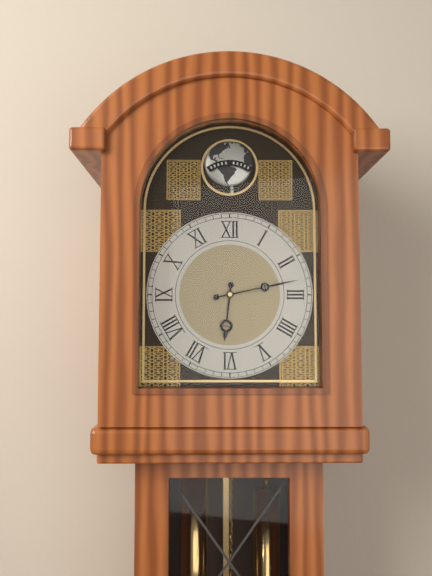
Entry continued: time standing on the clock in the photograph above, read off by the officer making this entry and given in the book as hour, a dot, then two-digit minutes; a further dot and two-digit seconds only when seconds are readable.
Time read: 6.13
